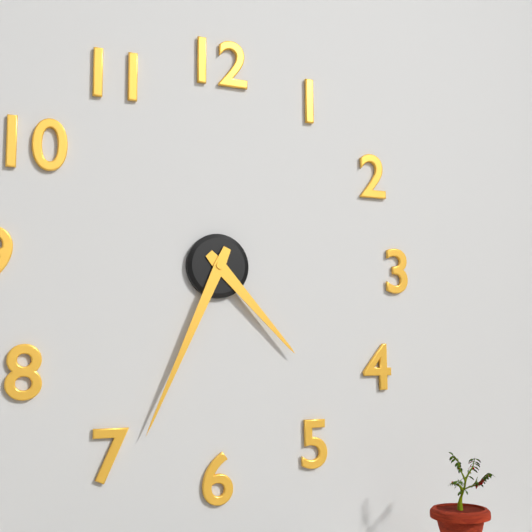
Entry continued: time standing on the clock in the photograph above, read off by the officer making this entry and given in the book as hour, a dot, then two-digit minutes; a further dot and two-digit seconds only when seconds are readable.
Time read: 4.34
